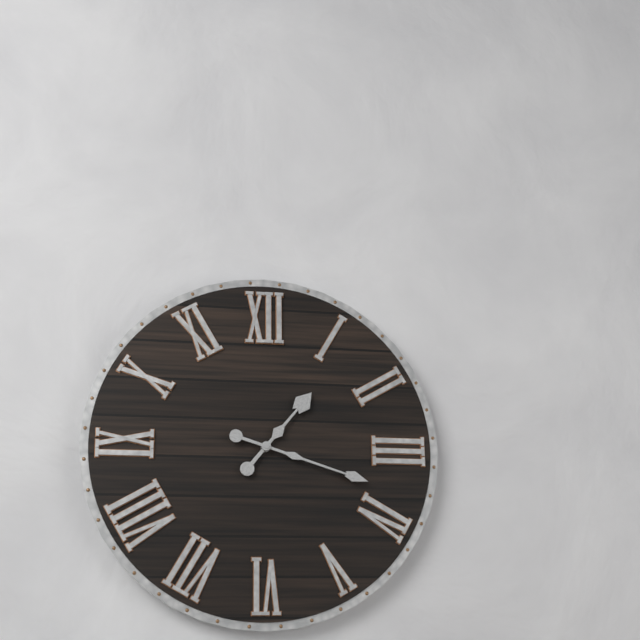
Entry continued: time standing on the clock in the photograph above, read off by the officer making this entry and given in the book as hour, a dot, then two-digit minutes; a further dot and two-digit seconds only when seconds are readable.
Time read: 1.18
